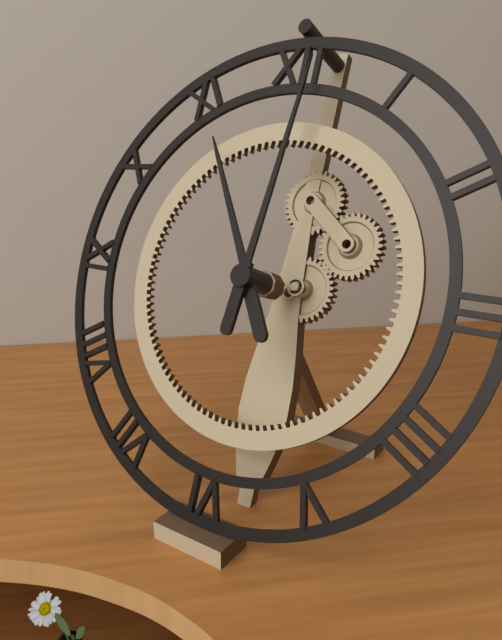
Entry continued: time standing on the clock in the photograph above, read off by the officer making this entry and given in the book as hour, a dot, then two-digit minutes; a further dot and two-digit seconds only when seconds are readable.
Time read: 11.01
